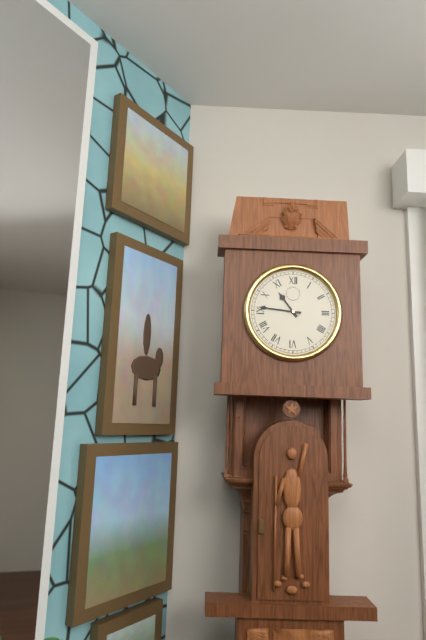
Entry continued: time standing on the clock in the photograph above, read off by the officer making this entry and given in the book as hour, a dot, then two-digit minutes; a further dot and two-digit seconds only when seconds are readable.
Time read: 10.46
